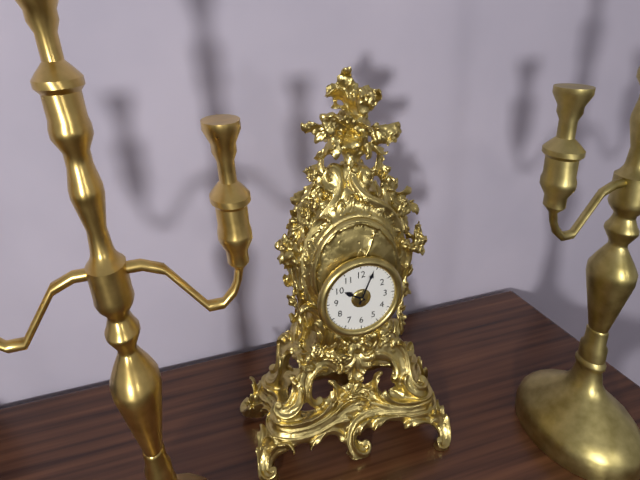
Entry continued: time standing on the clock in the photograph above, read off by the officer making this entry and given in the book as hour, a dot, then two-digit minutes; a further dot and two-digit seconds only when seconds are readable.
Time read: 10.04
